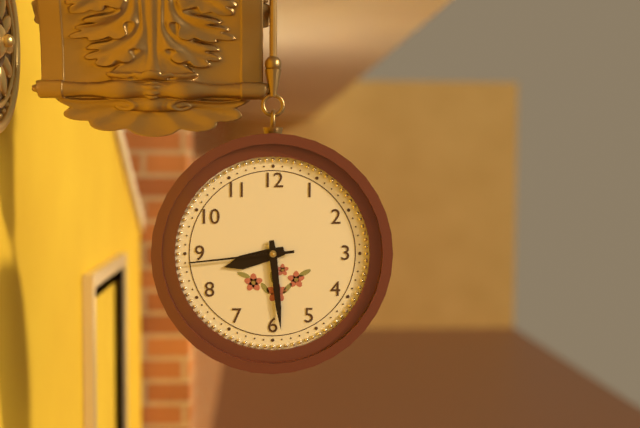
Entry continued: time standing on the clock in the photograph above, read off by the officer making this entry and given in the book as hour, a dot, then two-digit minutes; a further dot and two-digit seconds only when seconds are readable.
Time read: 8.29.44
